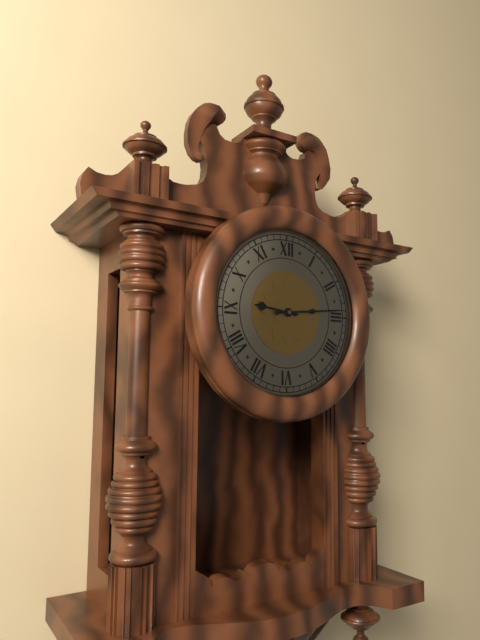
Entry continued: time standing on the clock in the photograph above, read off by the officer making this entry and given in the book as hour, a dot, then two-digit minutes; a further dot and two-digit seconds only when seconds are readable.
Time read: 9.14
